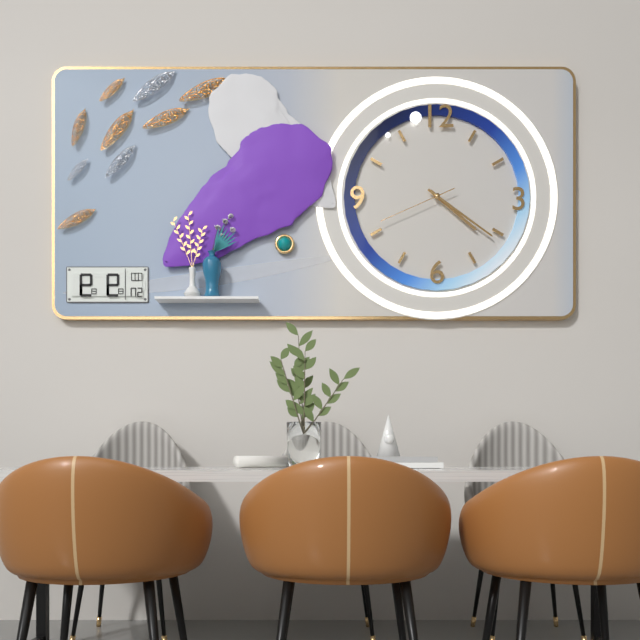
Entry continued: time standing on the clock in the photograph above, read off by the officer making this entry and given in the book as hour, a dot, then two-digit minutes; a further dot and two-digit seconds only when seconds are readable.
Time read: 4.21.41
